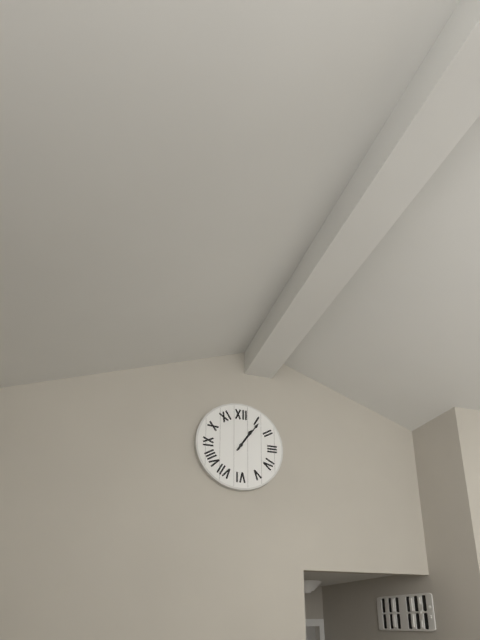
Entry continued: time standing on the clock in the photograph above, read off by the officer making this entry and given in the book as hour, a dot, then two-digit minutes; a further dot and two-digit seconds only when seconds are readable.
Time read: 1.06
